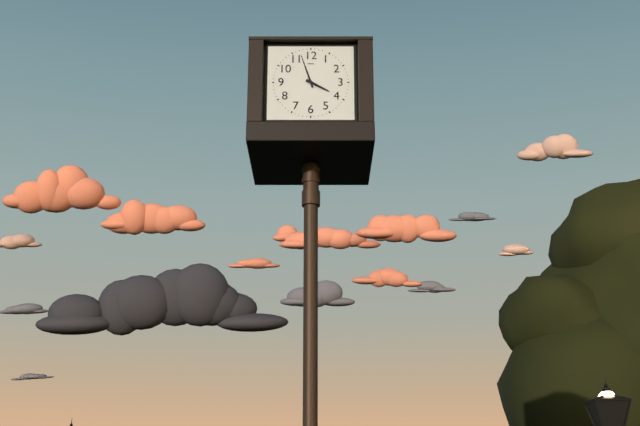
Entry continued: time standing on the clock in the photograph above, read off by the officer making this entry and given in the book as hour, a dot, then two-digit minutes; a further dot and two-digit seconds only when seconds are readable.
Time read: 3.57
